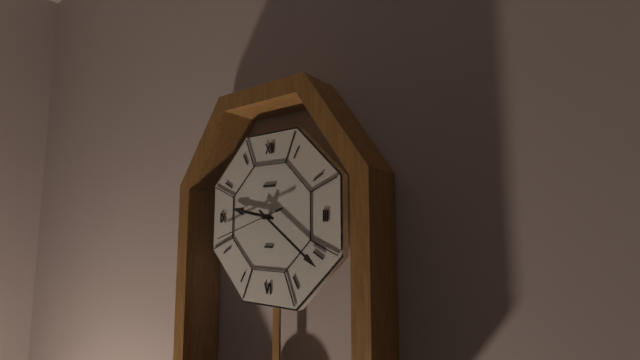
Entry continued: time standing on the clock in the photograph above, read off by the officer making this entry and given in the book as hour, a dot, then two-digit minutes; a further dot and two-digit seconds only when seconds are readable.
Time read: 9.21.42
